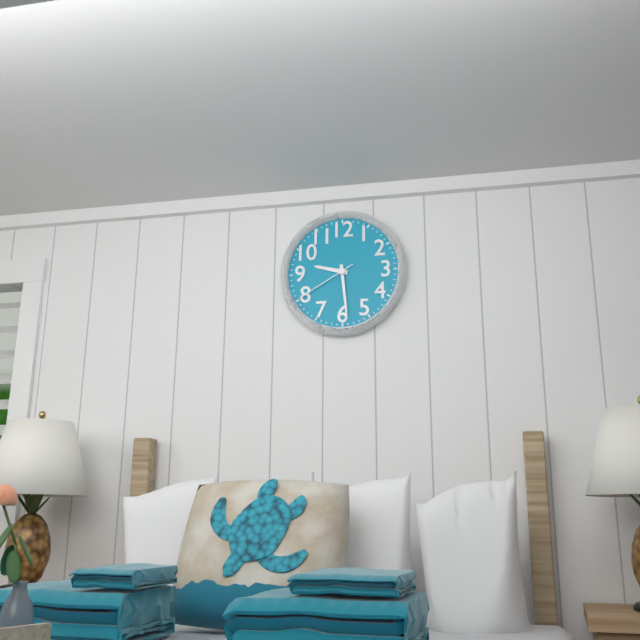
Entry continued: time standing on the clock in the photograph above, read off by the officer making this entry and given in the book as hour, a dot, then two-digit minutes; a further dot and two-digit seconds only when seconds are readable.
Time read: 9.29.40
